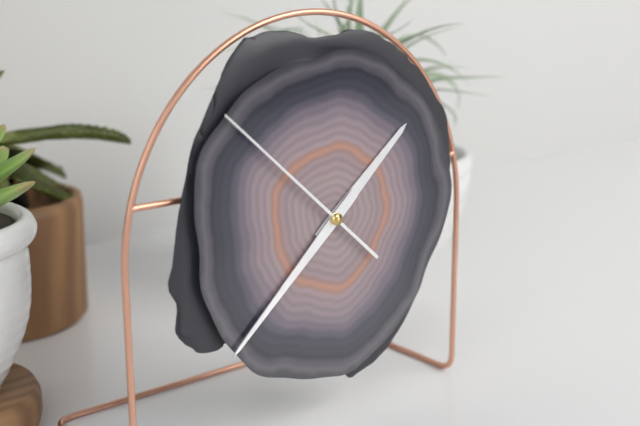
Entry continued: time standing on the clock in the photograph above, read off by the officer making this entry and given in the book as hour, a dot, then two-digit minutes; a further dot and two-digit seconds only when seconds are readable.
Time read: 1.38.52
